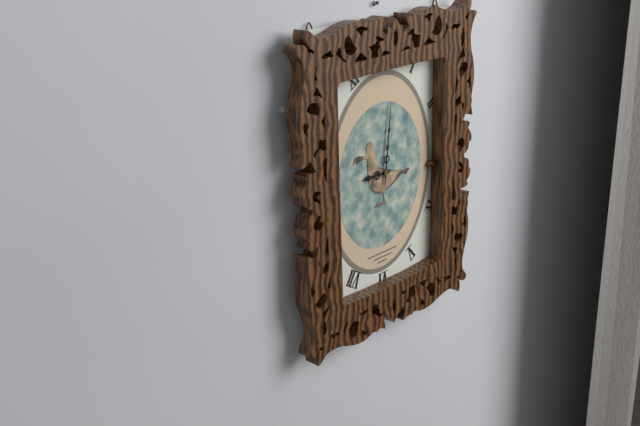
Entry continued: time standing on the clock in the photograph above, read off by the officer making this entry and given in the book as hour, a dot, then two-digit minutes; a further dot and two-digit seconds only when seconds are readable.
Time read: 9.01
